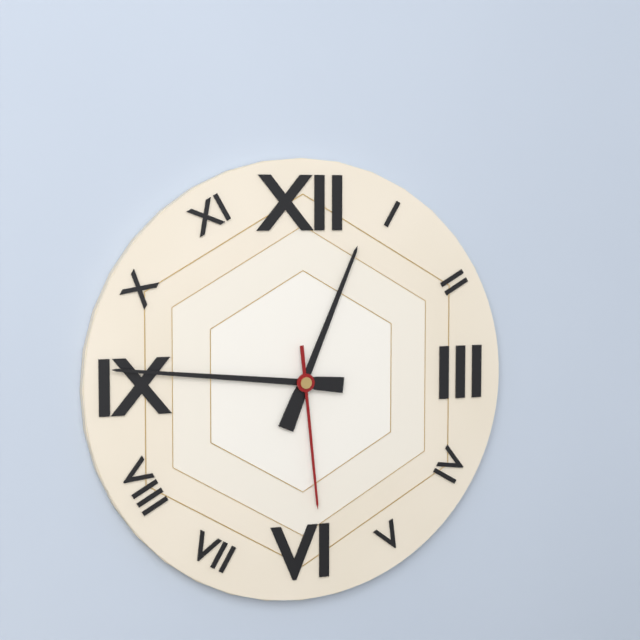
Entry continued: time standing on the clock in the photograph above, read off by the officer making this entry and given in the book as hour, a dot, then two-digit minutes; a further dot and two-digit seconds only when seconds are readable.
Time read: 12.46.29
